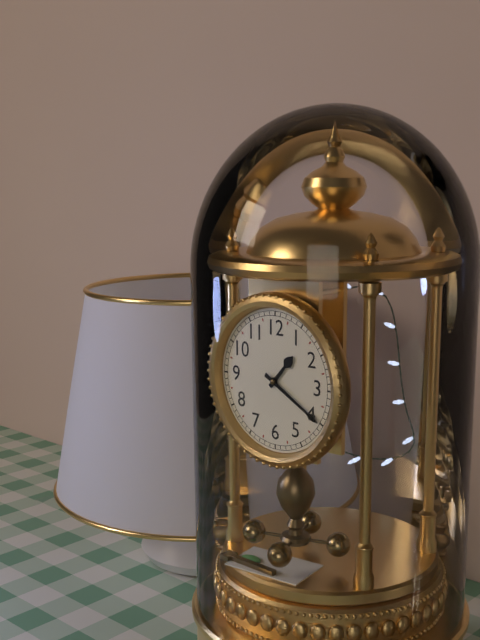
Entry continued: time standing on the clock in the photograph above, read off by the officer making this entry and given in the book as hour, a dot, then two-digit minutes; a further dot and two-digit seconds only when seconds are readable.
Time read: 1.20
